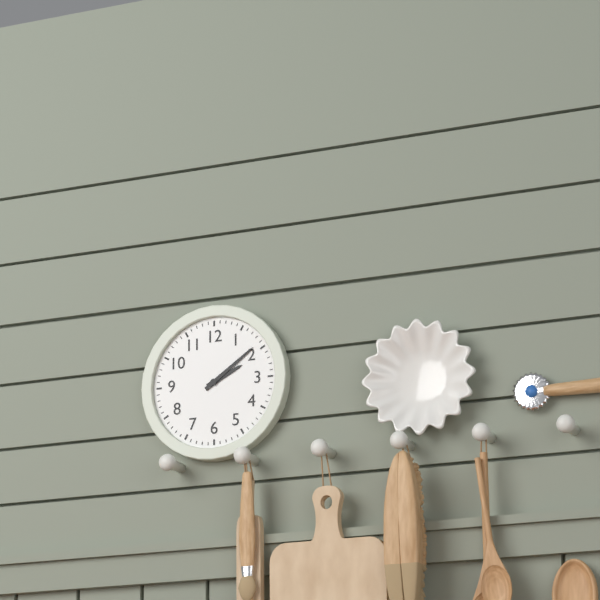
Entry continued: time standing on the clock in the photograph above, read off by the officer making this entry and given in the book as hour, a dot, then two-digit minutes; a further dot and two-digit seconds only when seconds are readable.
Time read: 2.09
